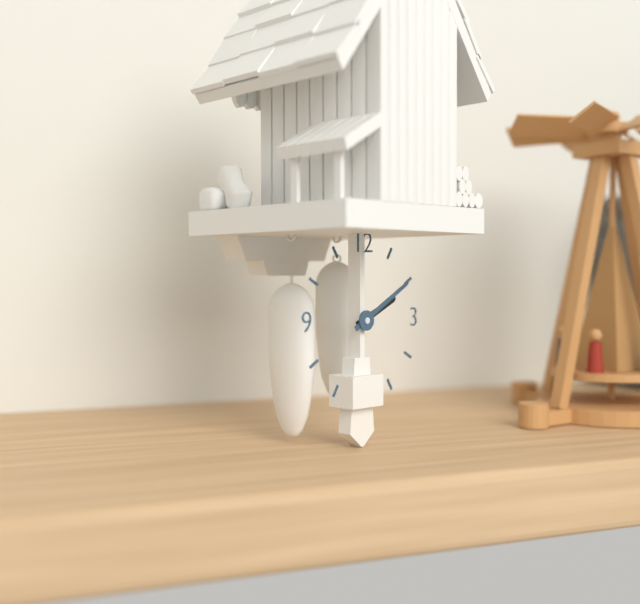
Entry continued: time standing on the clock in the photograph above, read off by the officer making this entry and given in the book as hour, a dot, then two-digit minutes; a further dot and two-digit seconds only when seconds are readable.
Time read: 2.10
